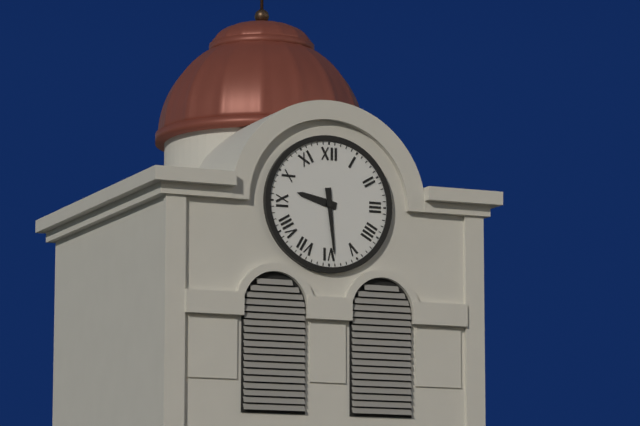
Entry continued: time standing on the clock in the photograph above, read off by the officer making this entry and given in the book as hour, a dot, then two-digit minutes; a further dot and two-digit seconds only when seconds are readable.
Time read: 9.29
